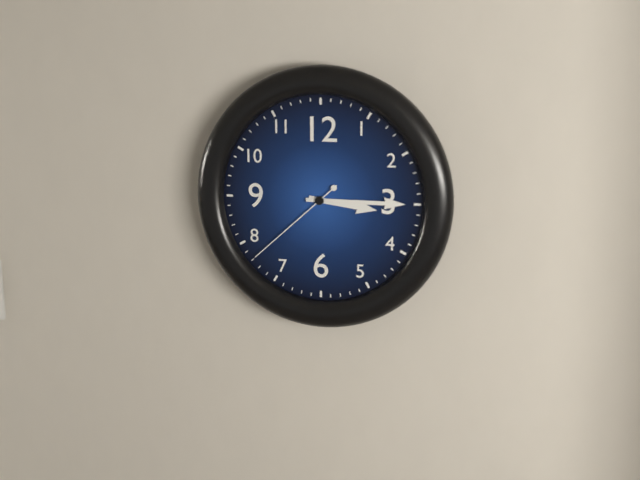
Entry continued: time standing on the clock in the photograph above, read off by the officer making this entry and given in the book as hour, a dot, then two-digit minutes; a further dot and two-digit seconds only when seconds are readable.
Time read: 3.15.38
